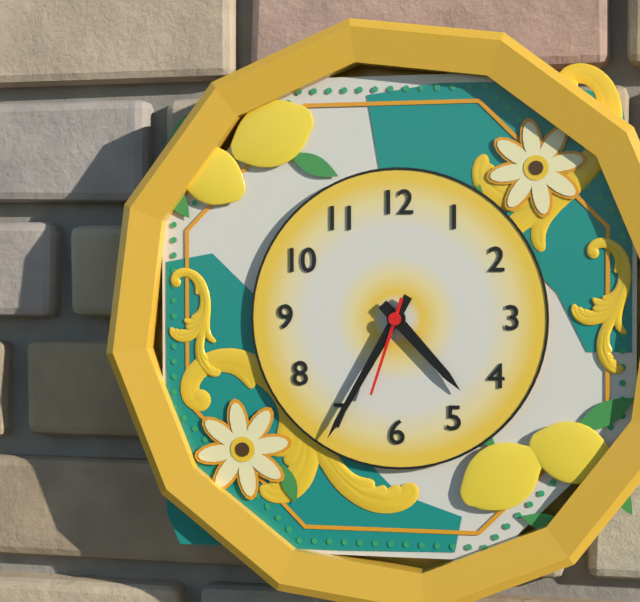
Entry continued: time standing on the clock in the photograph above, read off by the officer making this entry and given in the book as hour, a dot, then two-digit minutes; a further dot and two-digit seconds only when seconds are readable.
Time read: 4.35.33
